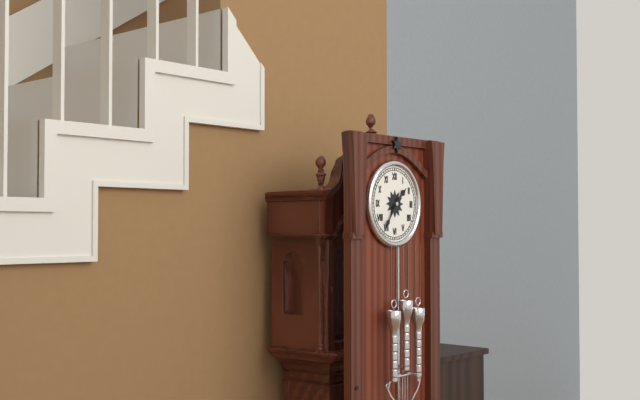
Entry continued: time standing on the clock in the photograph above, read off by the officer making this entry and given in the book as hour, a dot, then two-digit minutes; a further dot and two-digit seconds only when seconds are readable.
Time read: 1.36
